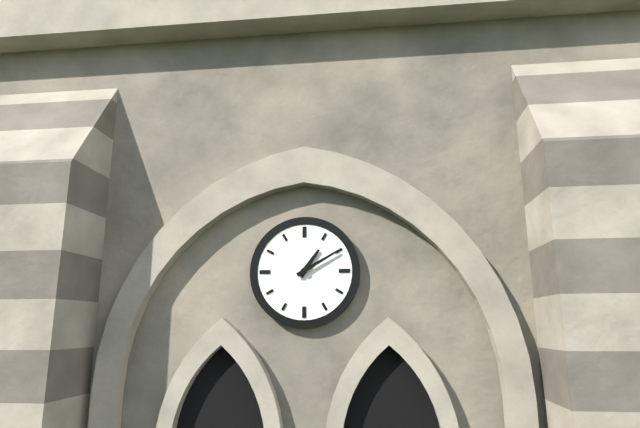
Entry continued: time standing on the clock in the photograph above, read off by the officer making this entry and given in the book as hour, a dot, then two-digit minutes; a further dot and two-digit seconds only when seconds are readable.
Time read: 1.10
